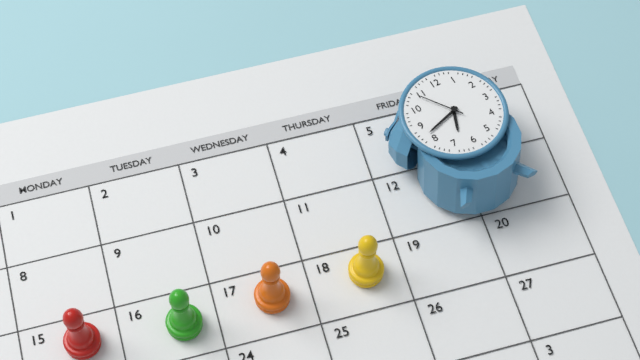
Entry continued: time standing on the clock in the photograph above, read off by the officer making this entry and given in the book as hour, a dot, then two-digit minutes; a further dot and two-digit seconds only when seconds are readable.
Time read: 6.42
